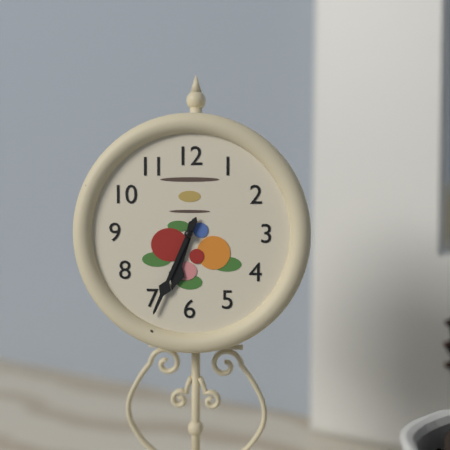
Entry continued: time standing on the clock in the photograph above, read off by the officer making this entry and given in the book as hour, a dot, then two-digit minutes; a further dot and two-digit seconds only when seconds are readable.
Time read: 6.34
